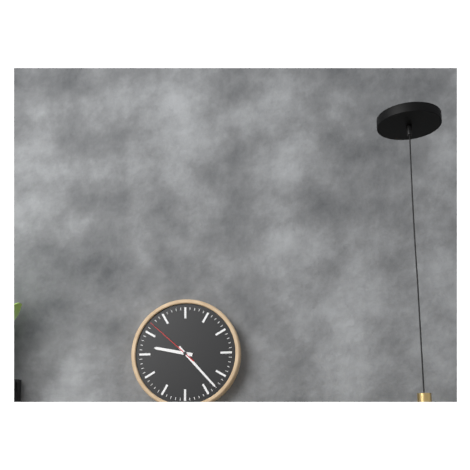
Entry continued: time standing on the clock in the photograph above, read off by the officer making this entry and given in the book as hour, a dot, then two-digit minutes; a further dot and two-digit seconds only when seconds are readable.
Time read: 9.23.52
